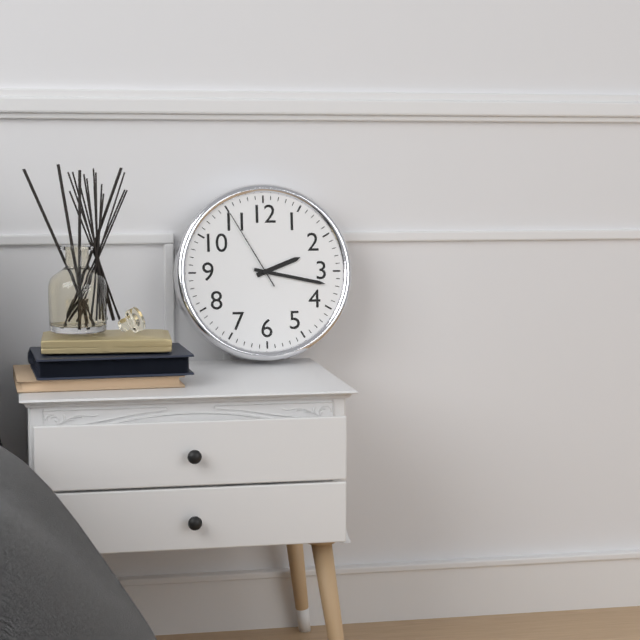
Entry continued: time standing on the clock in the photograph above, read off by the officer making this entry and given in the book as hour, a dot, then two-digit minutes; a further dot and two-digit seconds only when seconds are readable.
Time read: 2.17.55
